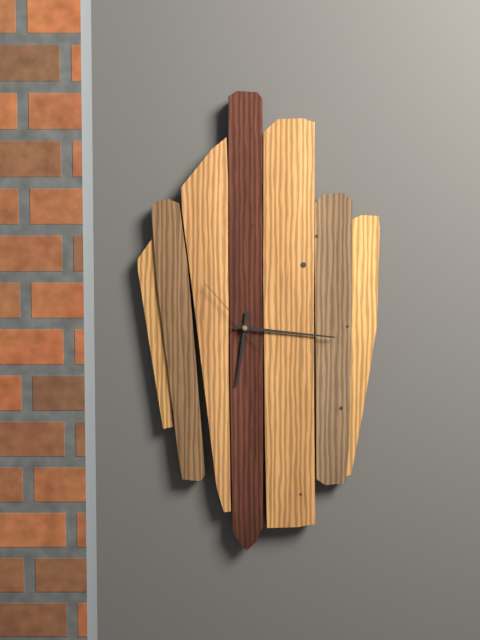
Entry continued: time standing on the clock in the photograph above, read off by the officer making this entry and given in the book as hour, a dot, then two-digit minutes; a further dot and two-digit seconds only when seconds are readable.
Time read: 6.16.53
